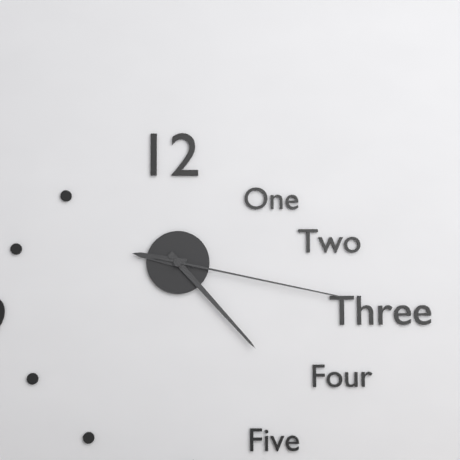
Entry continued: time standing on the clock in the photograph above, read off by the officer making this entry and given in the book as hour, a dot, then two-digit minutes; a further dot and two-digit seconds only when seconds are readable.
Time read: 9.23.17
